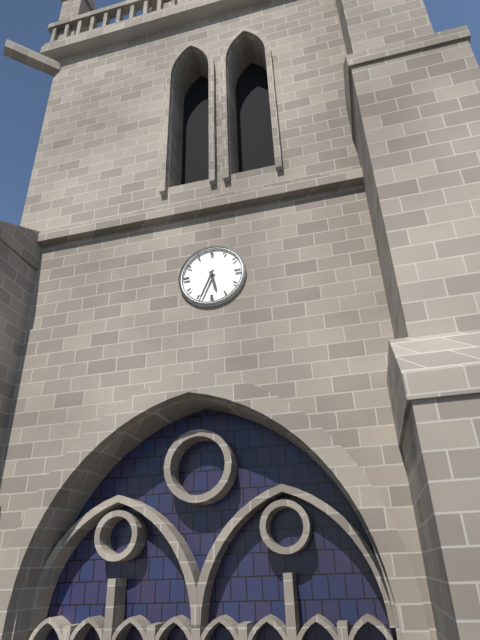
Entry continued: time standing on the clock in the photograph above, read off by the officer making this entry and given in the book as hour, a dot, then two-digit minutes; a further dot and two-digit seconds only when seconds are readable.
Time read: 5.34
